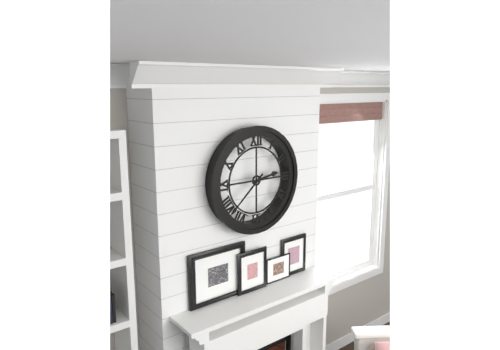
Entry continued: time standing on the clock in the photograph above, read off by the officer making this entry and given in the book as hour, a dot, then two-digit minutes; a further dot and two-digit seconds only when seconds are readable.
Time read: 2.38
